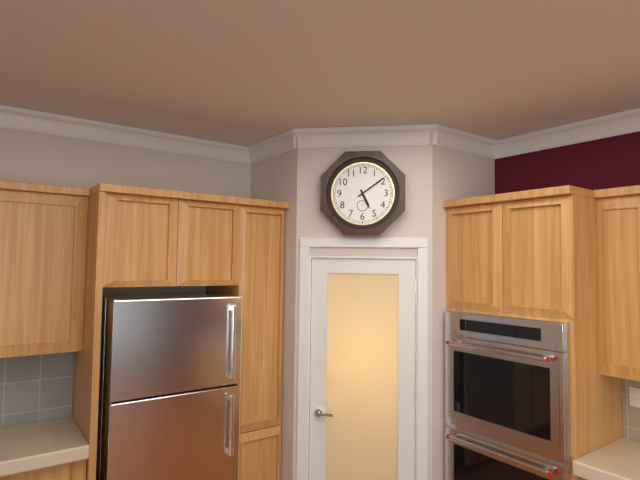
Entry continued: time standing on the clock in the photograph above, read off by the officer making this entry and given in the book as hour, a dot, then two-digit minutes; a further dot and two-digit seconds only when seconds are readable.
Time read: 5.09
